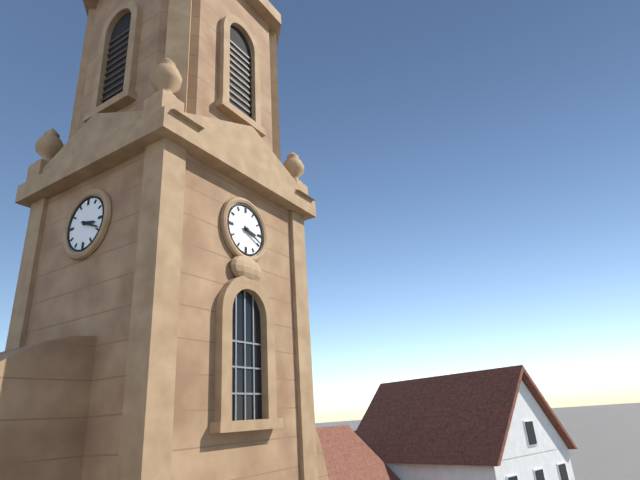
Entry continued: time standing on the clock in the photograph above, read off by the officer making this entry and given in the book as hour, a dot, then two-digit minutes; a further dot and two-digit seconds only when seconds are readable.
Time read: 3.19
